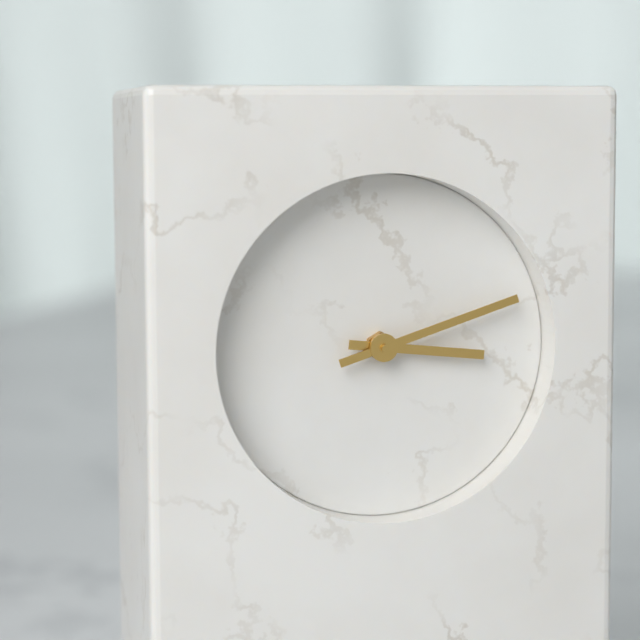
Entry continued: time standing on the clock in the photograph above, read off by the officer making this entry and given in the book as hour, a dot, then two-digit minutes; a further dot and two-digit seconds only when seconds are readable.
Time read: 3.12
